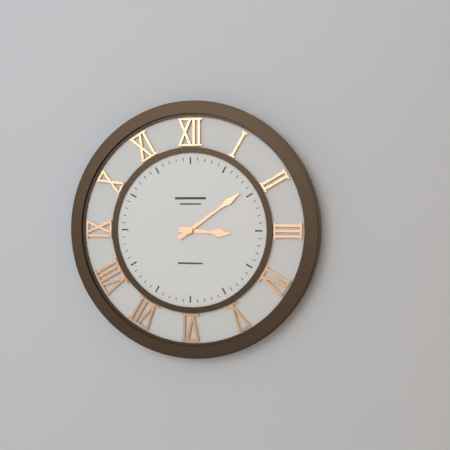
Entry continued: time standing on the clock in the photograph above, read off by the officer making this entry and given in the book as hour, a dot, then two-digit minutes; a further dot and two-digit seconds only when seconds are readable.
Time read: 3.09
